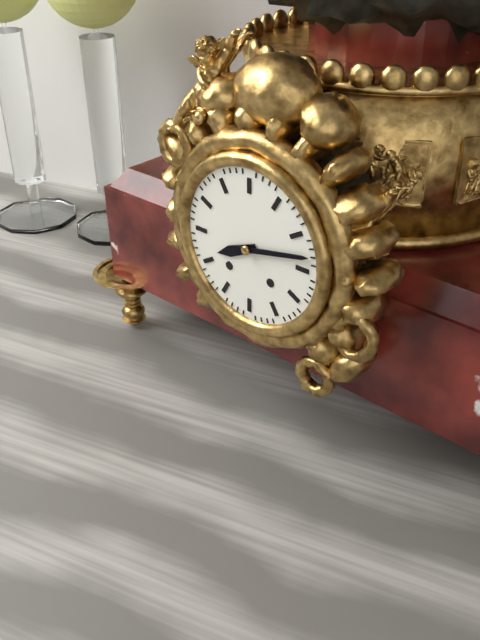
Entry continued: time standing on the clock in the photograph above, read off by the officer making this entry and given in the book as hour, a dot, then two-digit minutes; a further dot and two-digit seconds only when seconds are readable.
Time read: 8.13
